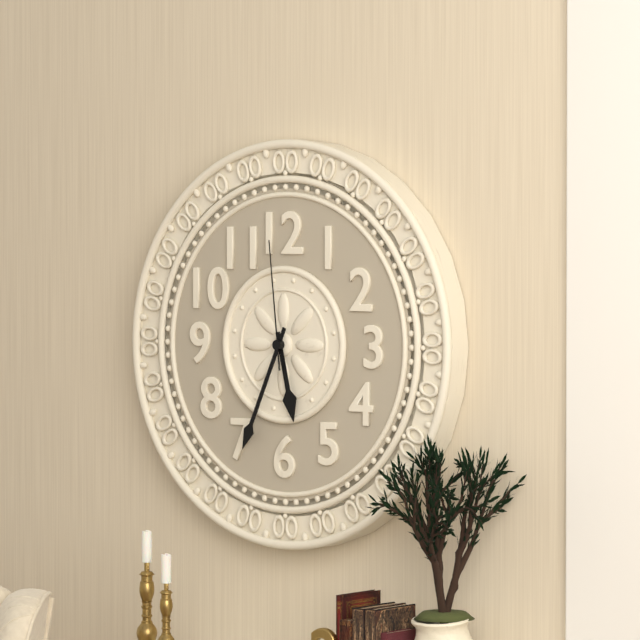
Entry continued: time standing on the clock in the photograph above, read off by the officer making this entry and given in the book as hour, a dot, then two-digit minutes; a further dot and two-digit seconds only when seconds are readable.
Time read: 5.34.59
